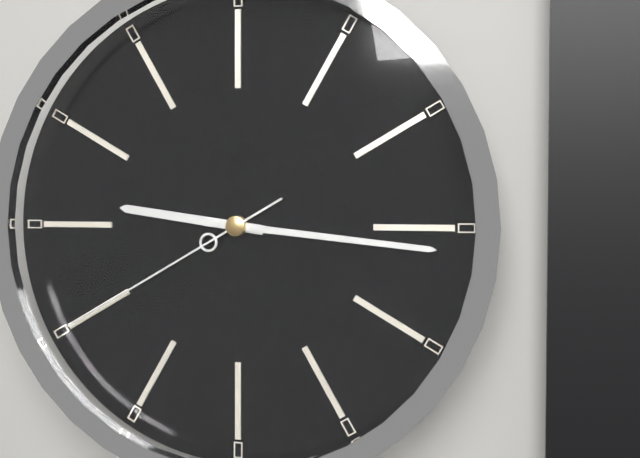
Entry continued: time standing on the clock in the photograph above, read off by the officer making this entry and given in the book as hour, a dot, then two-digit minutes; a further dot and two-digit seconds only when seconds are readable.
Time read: 9.16.40
